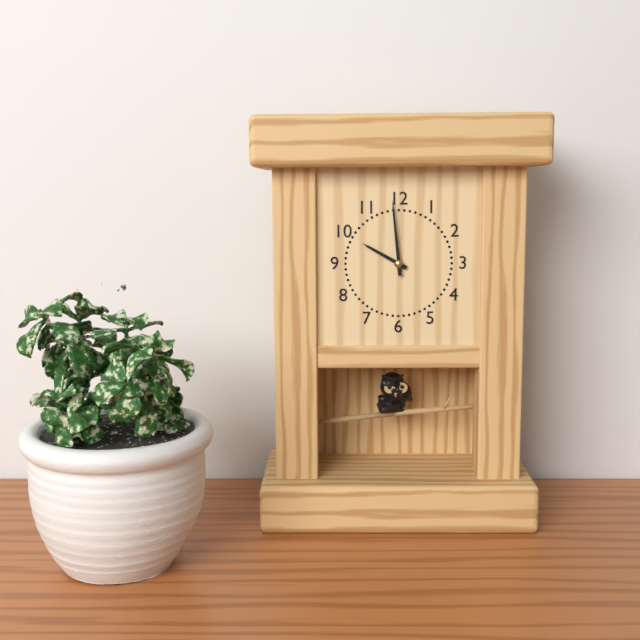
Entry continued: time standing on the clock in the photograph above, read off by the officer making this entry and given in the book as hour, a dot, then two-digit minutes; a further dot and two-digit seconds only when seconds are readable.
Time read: 9.59
